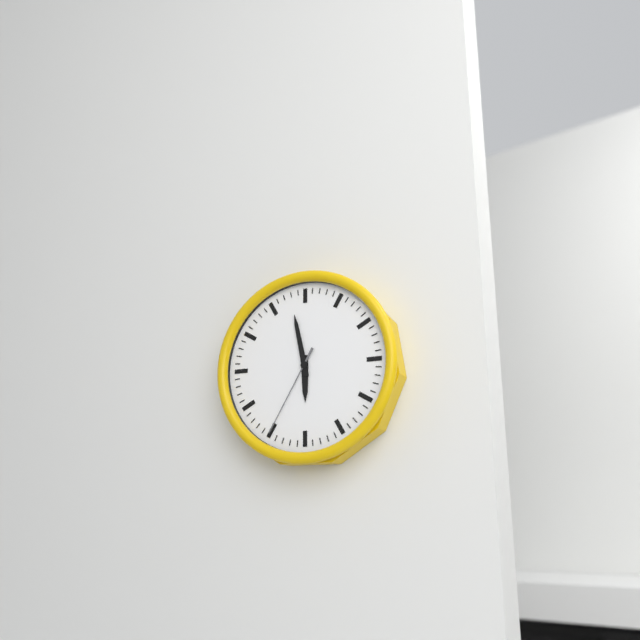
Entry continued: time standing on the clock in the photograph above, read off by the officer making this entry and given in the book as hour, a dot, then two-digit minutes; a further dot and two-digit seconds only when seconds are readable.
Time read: 5.58.35
